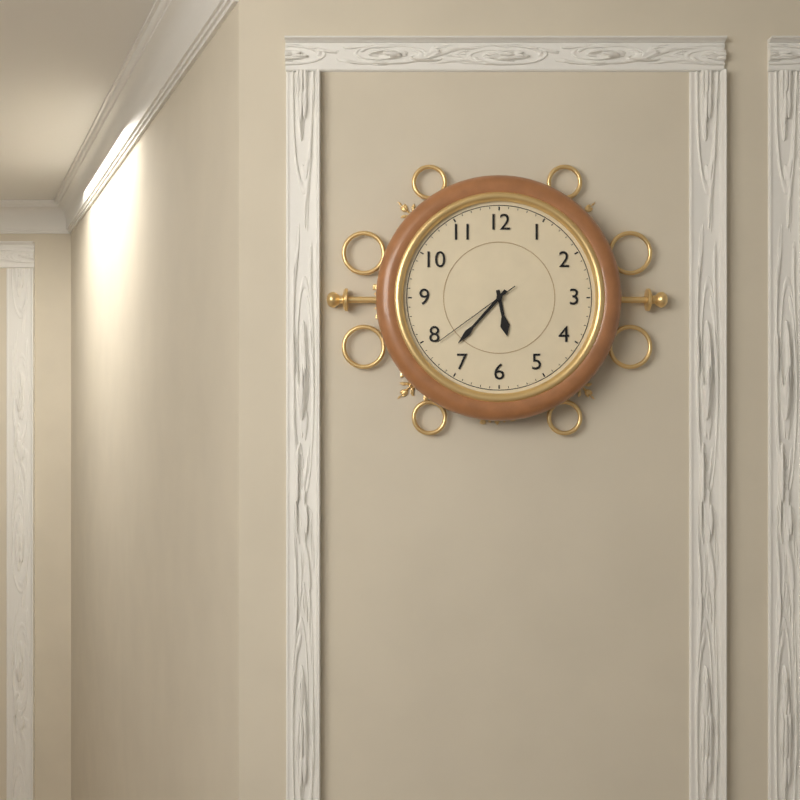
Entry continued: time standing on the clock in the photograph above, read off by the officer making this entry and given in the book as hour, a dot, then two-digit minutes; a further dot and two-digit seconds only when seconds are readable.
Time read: 5.37.39
